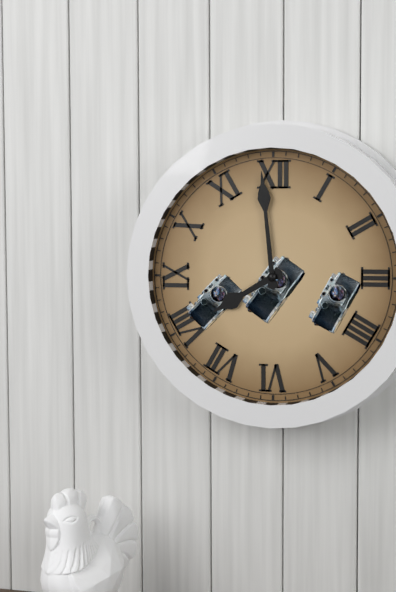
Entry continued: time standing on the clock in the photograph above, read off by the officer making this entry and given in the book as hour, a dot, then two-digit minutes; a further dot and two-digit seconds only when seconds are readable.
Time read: 7.59
